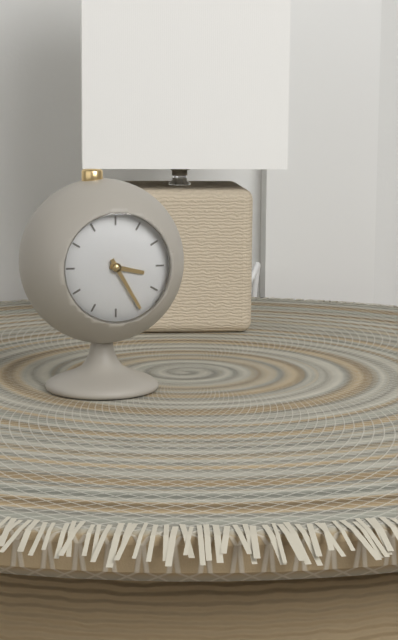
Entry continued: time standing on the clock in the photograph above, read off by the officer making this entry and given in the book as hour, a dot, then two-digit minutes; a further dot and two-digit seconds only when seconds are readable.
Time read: 3.25
